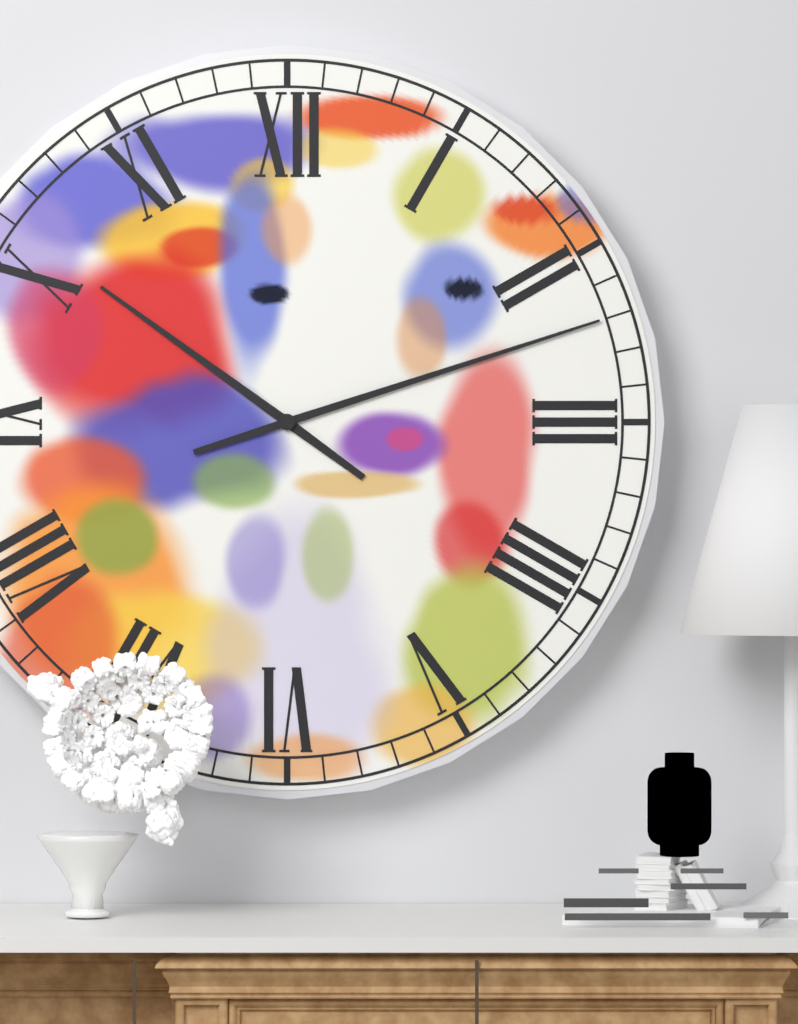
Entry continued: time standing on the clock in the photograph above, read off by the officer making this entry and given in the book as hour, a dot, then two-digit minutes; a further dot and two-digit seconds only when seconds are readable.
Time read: 10.12
